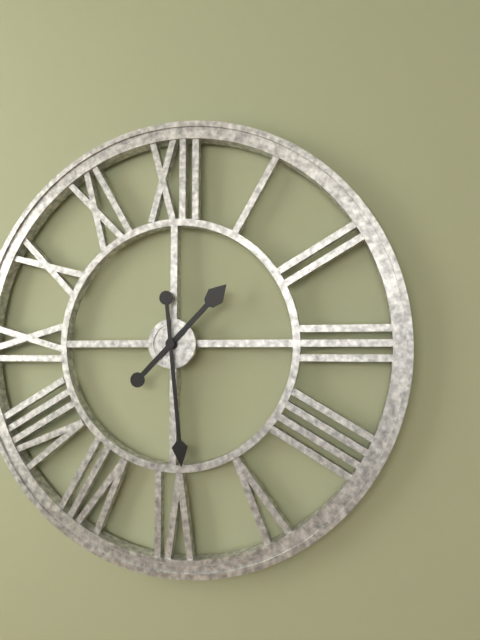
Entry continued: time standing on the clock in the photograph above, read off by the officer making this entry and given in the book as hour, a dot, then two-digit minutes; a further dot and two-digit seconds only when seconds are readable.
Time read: 1.29
